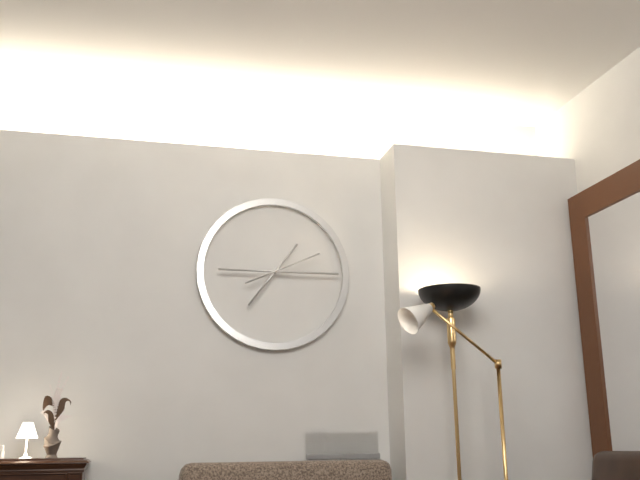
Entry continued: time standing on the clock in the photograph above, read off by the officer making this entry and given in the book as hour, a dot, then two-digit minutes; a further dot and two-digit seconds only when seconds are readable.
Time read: 7.15.11
